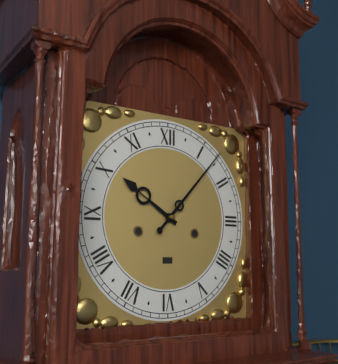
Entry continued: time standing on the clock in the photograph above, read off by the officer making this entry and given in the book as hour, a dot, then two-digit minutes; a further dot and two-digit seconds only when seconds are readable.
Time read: 10.07
